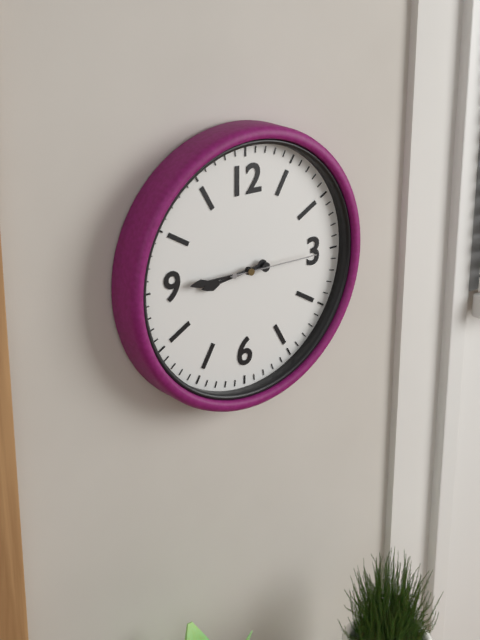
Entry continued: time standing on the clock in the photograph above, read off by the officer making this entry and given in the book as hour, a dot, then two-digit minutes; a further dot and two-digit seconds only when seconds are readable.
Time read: 8.45.15
